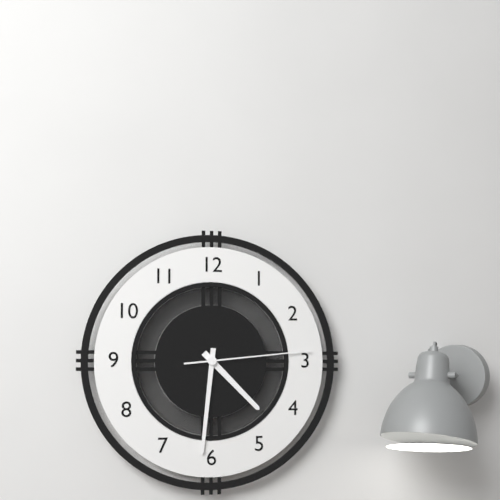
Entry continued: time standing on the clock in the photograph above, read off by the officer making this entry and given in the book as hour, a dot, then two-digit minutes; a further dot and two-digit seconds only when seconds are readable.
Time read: 4.31.14
